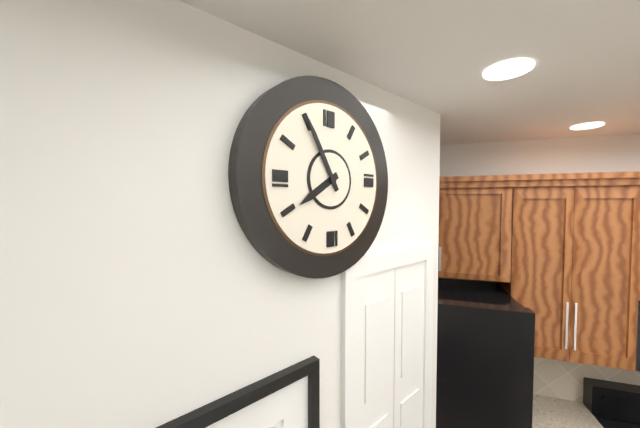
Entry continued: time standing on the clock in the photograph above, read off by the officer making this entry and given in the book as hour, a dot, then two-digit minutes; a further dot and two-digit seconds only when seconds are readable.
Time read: 7.55
